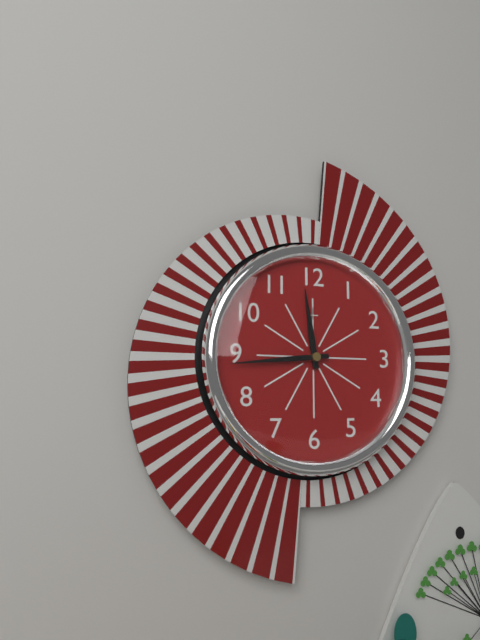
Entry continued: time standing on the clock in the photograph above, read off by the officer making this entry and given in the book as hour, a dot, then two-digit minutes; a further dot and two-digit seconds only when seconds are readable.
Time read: 11.44
